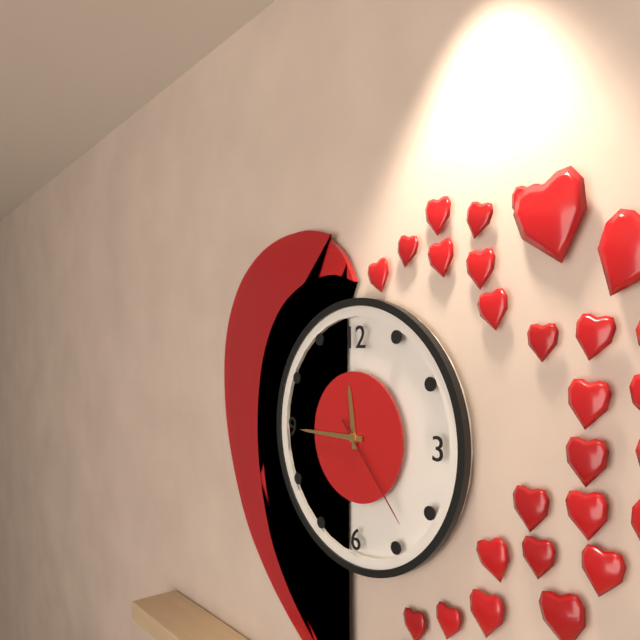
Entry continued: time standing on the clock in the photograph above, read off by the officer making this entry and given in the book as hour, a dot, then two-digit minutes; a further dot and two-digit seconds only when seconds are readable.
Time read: 11.45.23
